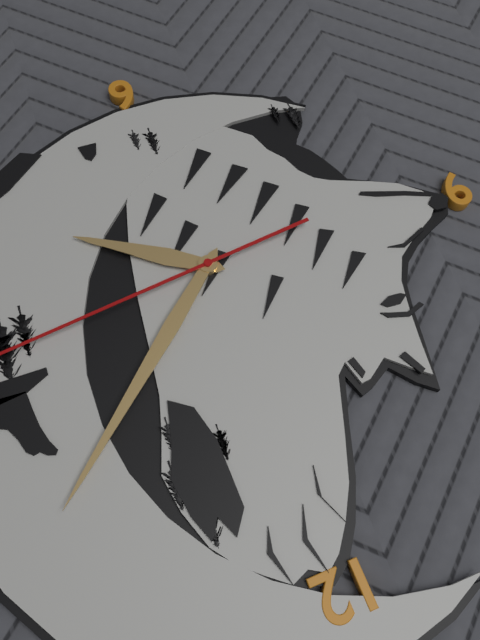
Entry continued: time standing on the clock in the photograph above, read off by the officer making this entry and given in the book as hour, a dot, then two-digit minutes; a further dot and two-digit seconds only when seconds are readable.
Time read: 4.08
